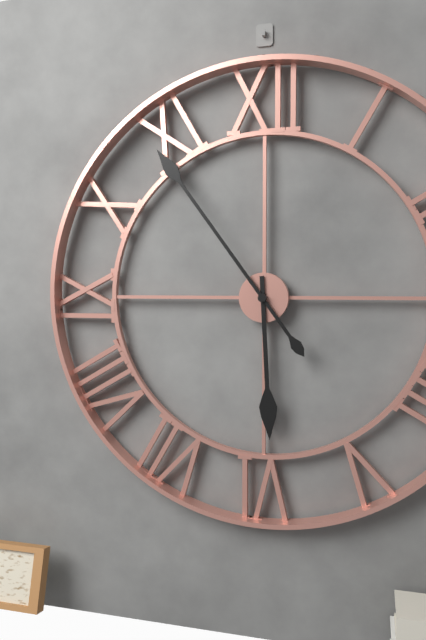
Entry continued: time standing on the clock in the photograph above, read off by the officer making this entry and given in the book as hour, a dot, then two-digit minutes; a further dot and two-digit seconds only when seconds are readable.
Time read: 5.54
